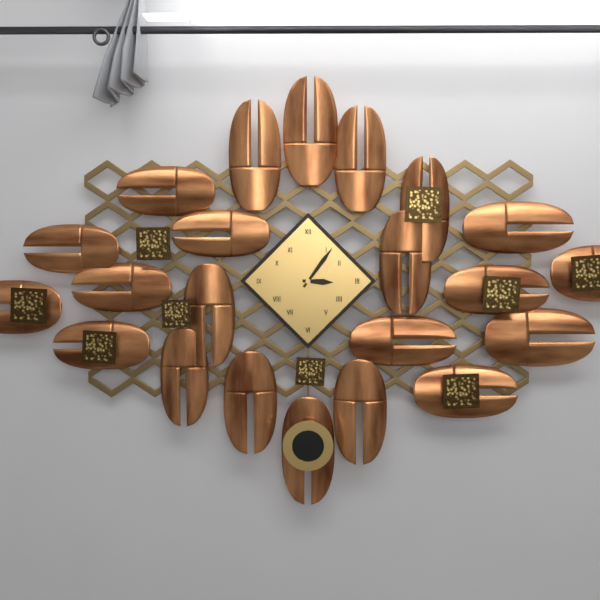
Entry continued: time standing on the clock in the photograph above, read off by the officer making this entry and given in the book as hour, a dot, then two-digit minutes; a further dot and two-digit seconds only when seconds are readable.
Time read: 3.06
